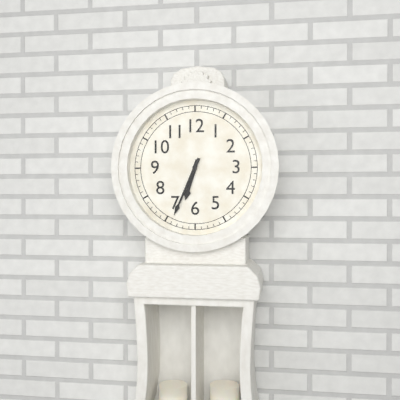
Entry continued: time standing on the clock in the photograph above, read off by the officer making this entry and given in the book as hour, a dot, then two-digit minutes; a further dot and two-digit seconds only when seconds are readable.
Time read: 6.34
